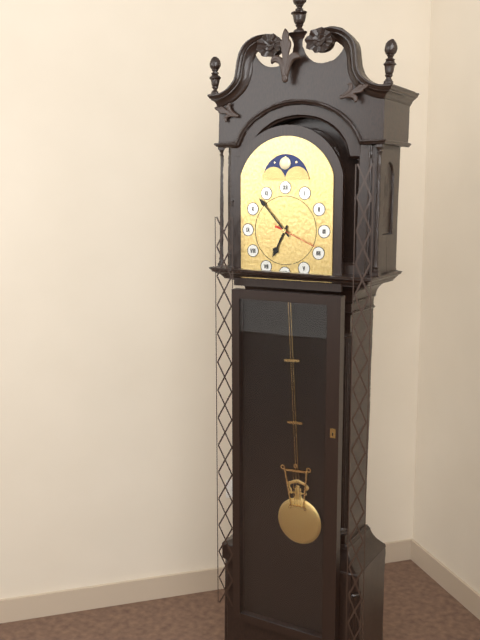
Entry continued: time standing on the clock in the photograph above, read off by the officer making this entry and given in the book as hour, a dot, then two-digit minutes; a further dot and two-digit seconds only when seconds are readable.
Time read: 6.53
